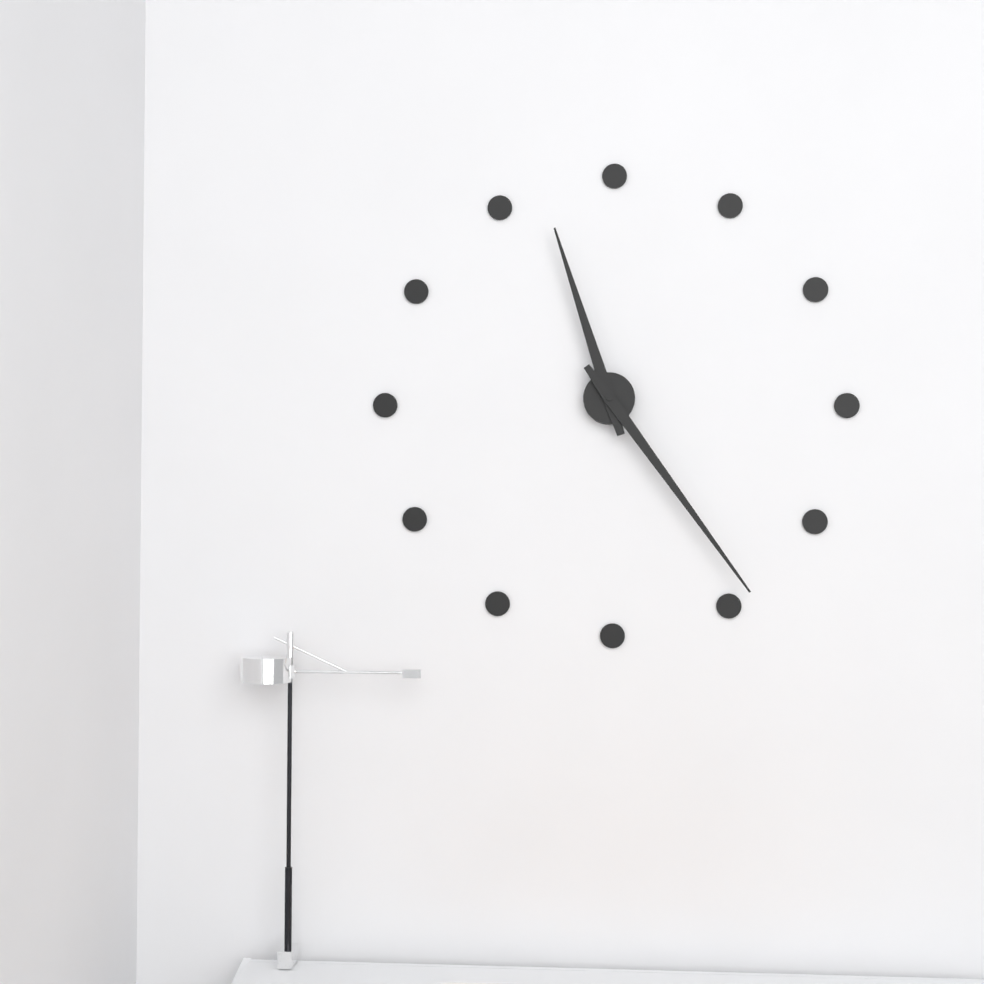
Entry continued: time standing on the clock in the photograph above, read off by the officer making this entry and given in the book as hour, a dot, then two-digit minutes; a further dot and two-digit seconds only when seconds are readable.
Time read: 11.24
